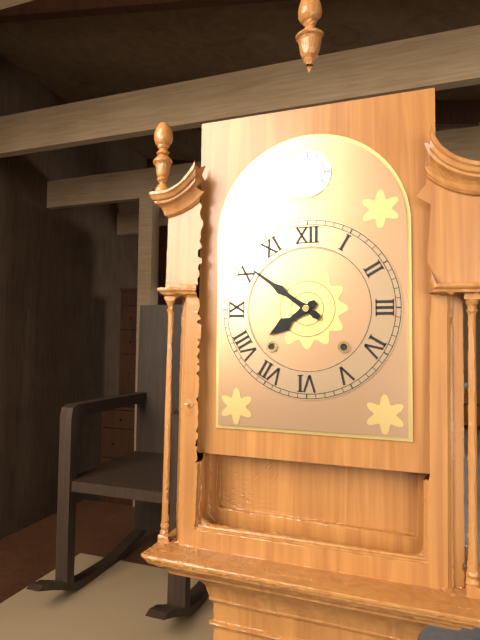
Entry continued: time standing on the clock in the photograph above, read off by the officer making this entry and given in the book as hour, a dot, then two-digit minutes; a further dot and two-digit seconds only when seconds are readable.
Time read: 7.51
